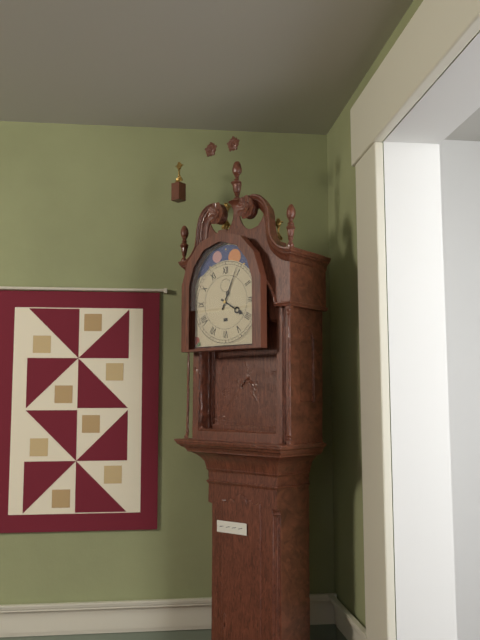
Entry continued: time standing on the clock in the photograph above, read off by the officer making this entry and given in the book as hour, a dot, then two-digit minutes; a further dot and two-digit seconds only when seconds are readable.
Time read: 4.04
